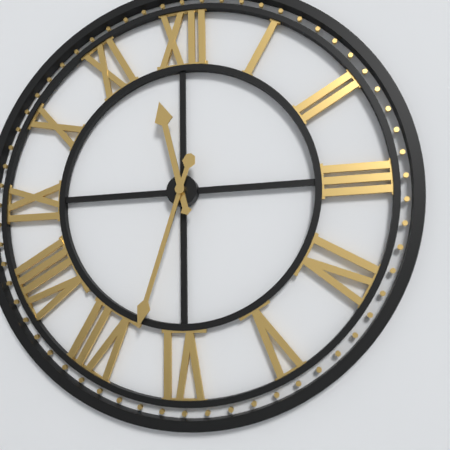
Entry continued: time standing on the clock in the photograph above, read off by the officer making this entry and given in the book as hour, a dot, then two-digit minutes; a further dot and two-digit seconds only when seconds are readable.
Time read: 11.33
